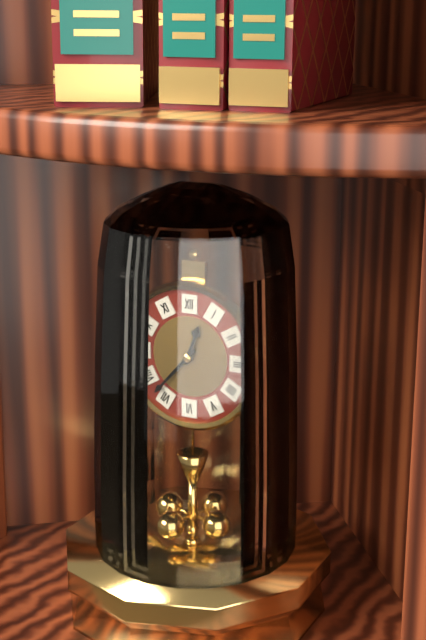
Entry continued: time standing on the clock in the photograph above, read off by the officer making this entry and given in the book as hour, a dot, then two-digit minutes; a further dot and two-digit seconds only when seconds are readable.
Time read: 12.37
